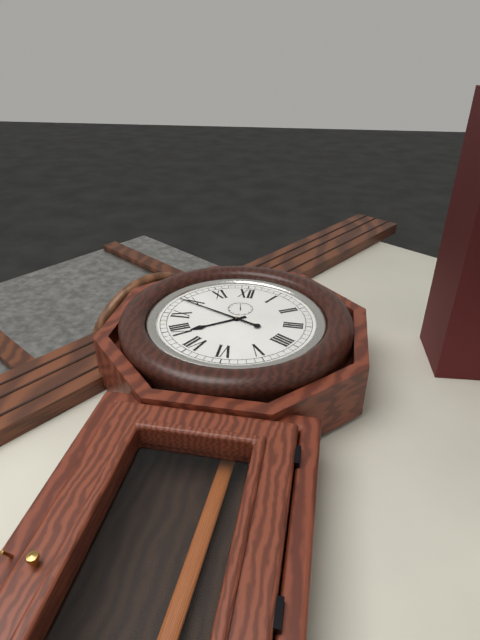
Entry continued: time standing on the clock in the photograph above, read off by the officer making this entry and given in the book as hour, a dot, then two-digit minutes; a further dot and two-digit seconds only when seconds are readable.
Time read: 7.49
